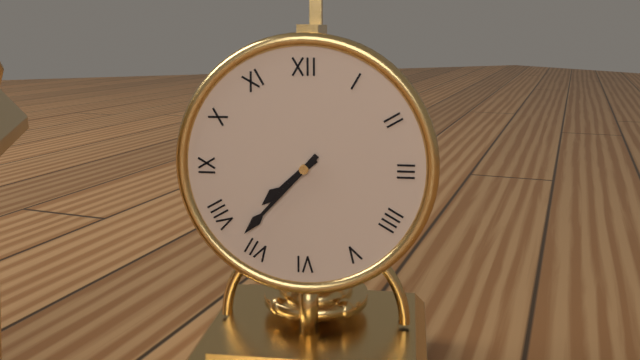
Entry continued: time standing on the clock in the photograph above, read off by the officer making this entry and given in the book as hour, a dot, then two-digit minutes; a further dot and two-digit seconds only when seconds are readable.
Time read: 7.37
